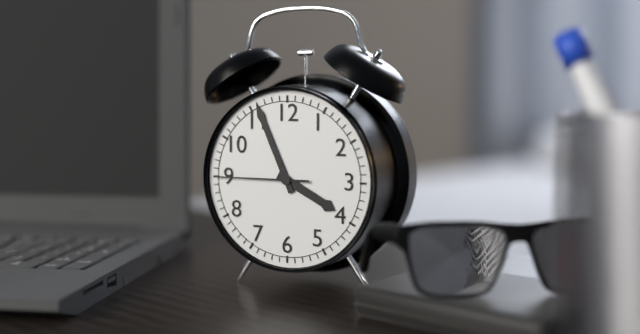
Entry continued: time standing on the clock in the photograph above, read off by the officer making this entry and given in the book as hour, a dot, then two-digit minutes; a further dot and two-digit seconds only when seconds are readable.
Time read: 3.56.45
